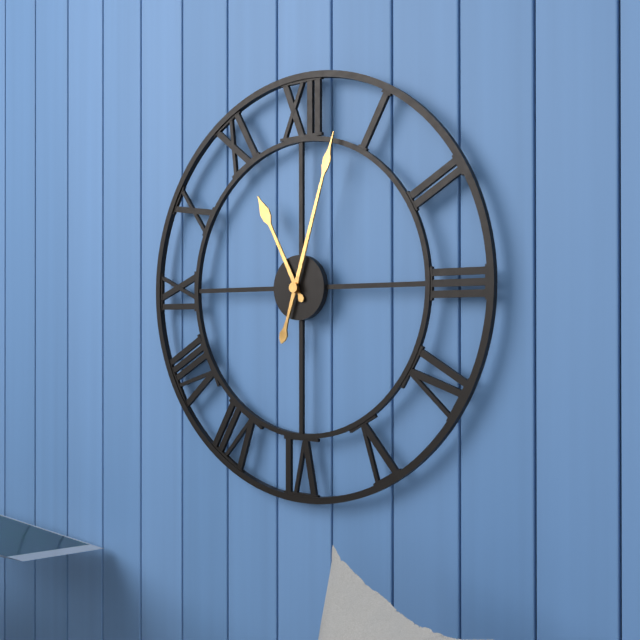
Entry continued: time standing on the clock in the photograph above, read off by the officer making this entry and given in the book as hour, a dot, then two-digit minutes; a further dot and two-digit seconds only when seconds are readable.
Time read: 11.03
